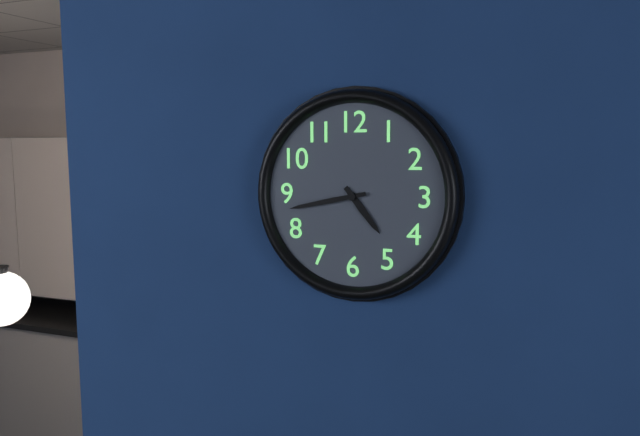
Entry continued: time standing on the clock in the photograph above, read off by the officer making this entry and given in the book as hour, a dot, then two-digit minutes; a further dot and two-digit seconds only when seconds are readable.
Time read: 4.43
